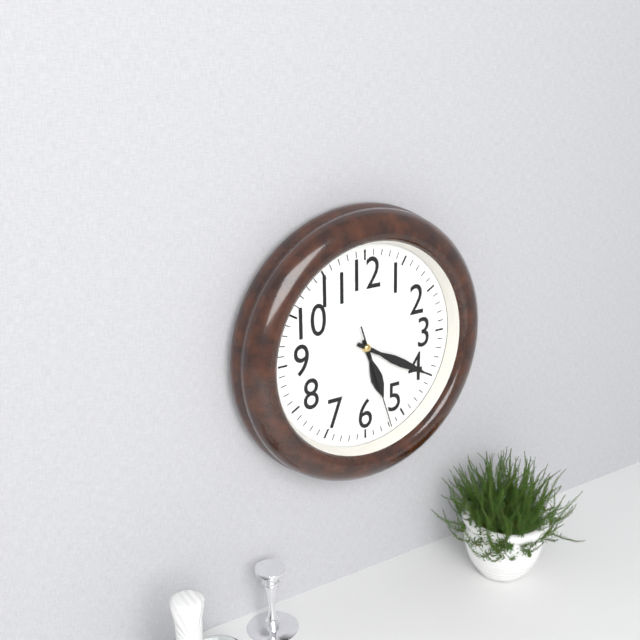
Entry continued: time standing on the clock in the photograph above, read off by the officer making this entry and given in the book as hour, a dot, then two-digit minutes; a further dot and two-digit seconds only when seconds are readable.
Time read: 5.20.27
